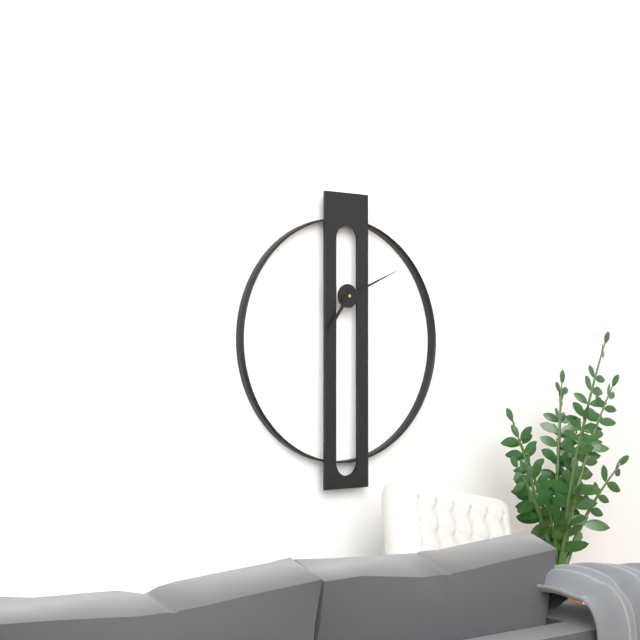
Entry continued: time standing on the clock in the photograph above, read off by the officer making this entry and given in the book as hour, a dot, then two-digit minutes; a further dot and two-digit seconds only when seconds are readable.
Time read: 7.11
